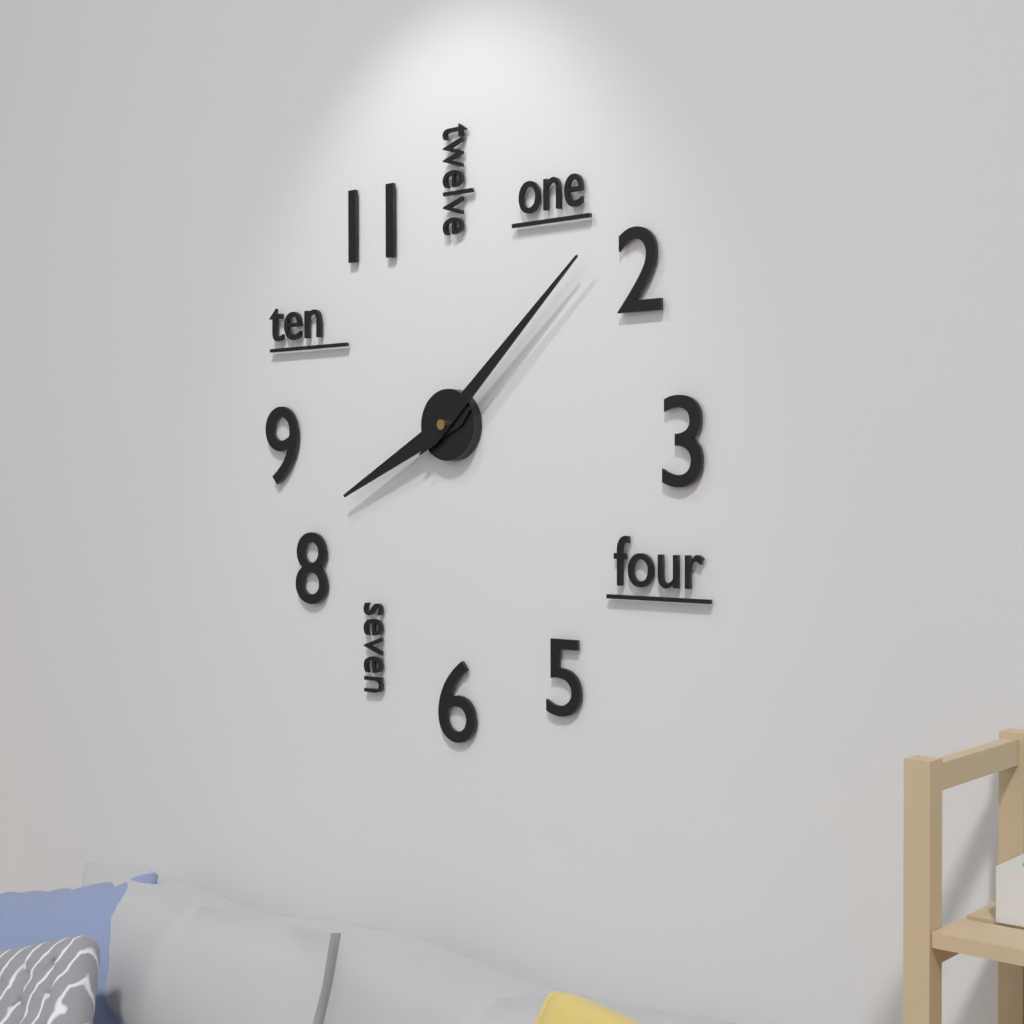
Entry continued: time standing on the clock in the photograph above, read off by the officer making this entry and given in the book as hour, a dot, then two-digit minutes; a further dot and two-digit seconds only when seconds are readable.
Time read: 8.08
